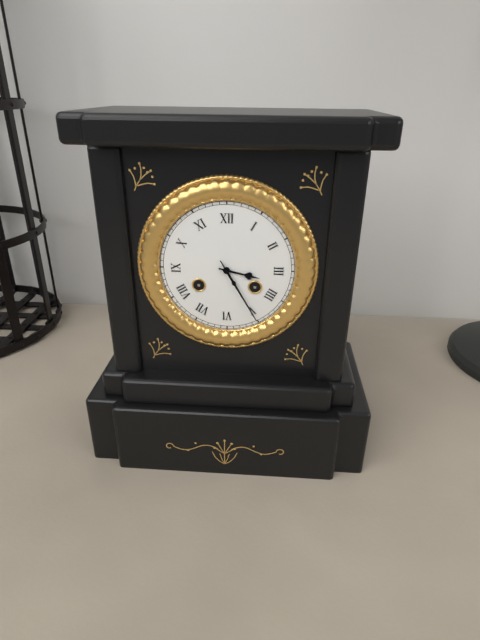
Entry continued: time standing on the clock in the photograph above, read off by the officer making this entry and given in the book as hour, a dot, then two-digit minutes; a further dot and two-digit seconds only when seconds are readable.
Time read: 3.25
